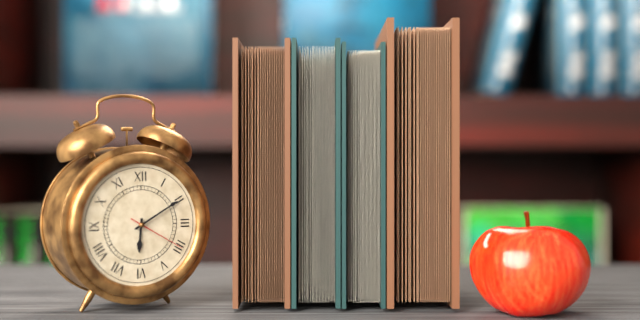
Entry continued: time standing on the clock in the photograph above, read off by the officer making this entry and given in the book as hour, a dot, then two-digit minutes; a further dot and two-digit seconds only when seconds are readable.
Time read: 6.10.20
